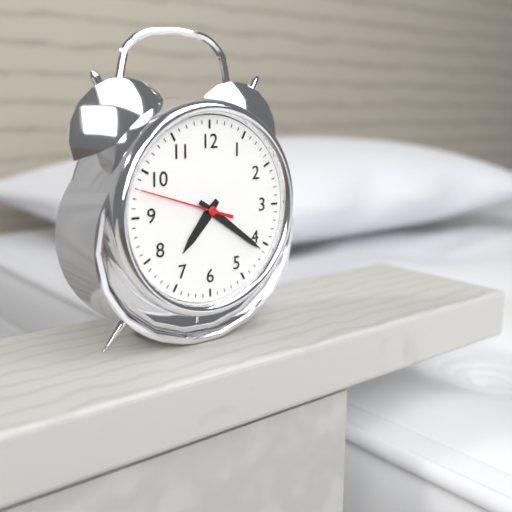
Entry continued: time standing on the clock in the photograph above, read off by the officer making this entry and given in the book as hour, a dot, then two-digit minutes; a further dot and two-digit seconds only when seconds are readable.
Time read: 7.21.48
